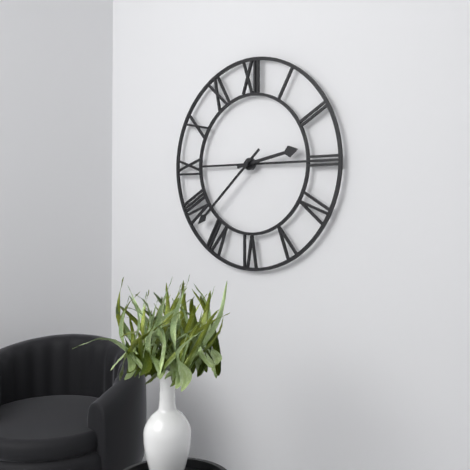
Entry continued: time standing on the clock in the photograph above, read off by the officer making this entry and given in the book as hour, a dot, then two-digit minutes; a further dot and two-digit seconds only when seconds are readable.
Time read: 2.38
